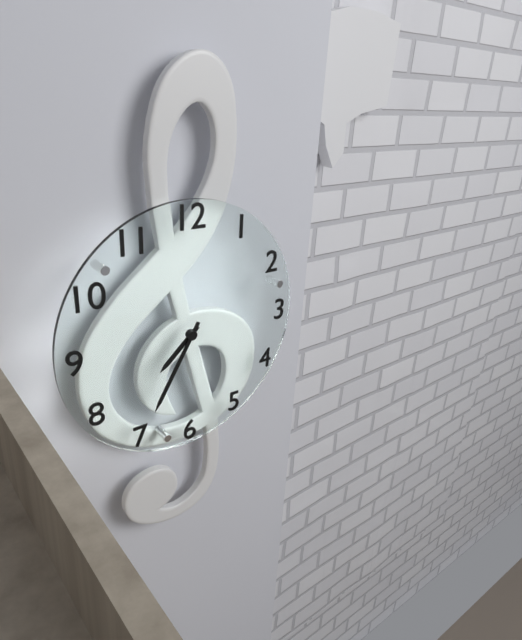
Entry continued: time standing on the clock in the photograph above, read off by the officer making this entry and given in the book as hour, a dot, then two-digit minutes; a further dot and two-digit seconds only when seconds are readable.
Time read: 7.35
